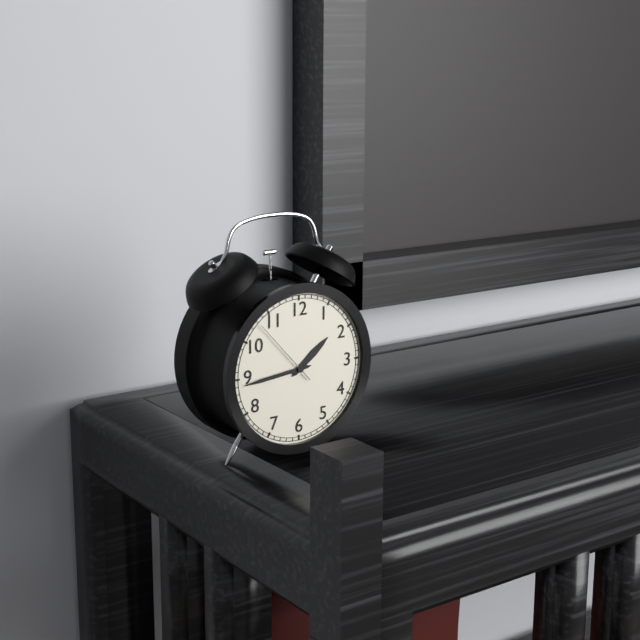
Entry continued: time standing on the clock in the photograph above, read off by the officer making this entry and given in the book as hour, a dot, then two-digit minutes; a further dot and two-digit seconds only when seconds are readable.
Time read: 1.44.53
